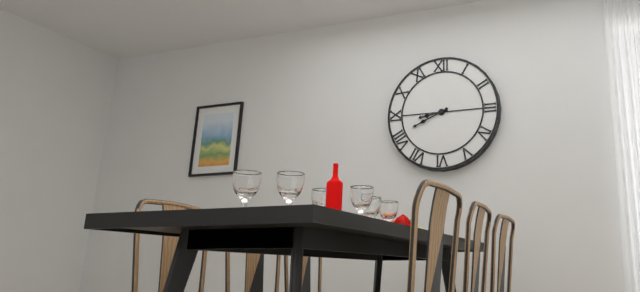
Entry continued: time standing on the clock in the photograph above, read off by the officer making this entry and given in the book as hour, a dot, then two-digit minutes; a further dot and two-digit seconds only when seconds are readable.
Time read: 8.41
